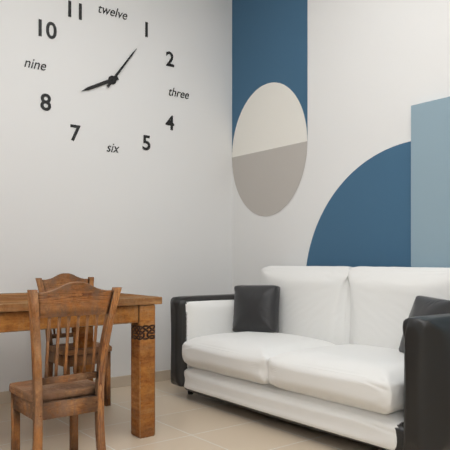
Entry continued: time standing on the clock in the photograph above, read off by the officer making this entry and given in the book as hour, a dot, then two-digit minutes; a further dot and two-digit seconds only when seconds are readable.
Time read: 8.06
